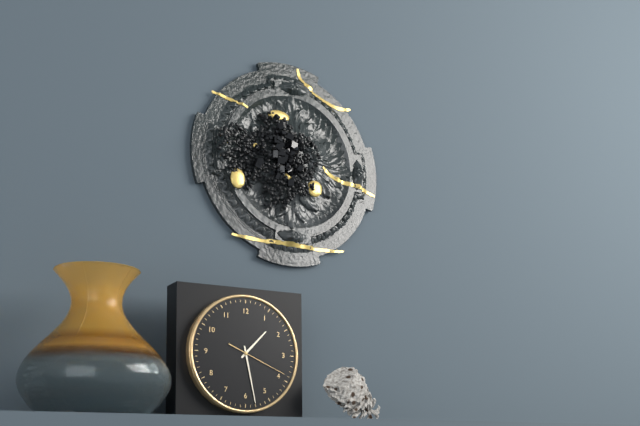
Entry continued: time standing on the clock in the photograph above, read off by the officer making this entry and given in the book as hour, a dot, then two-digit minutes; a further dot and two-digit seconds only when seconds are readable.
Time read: 1.28.19
